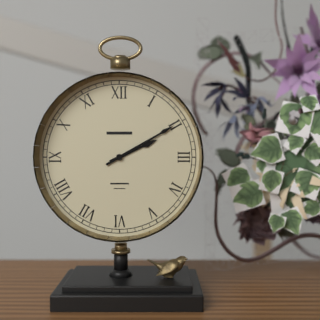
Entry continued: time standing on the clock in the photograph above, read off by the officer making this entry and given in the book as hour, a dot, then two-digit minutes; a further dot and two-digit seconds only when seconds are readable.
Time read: 2.10
